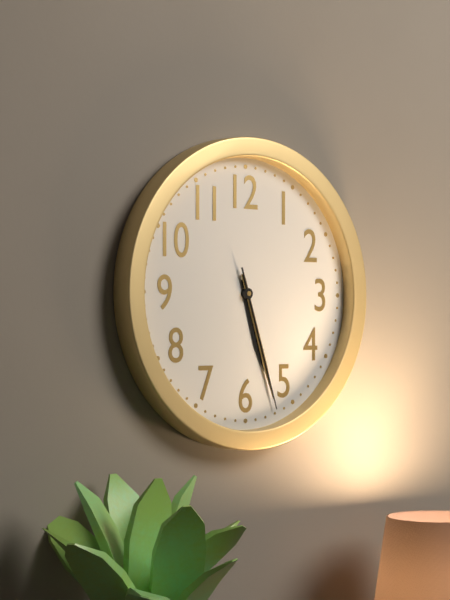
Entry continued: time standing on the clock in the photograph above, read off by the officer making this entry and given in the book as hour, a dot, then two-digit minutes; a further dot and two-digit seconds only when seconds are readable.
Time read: 5.27.27
